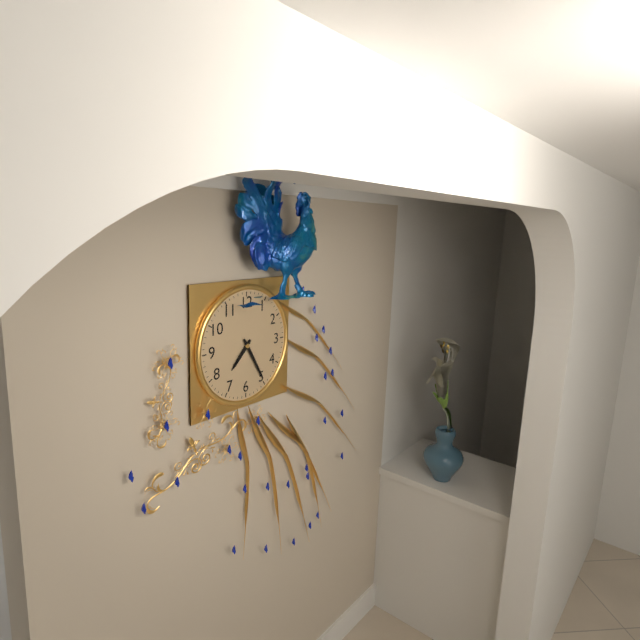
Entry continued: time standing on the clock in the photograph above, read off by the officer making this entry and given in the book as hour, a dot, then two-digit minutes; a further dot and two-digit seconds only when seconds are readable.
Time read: 7.25
